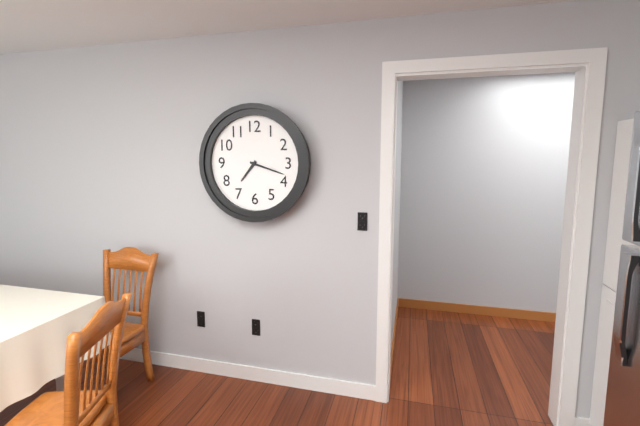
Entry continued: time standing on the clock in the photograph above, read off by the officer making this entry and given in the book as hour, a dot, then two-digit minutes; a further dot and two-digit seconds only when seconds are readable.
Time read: 7.18
